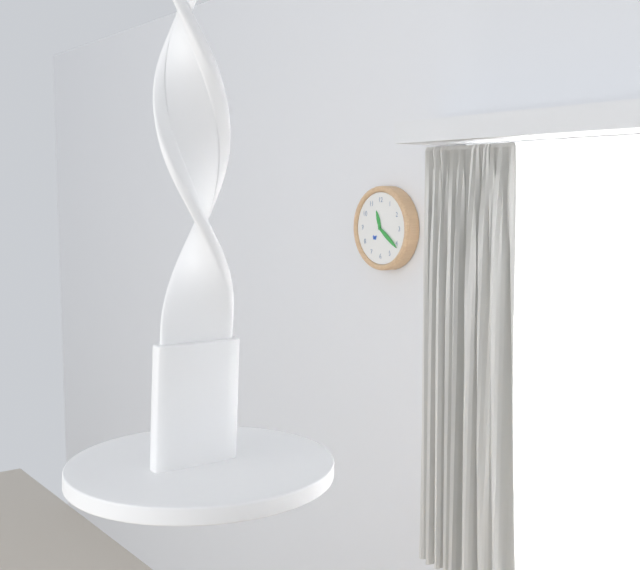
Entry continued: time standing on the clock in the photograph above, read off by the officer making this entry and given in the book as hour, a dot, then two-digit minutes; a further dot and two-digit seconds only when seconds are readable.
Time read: 11.21
